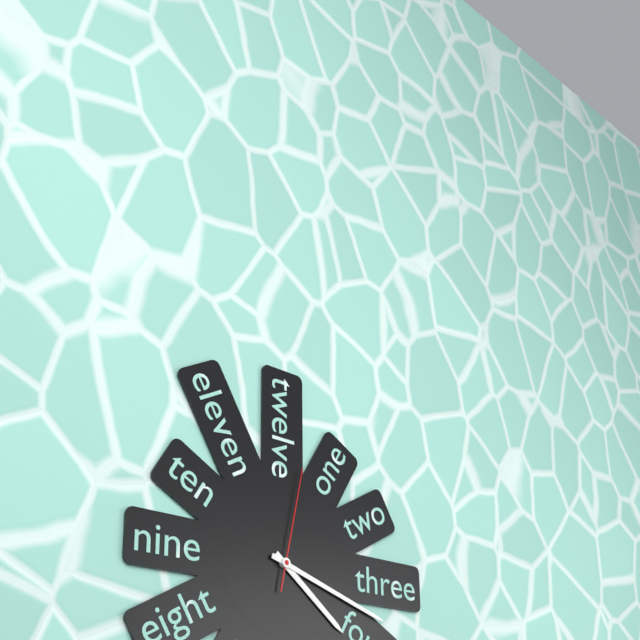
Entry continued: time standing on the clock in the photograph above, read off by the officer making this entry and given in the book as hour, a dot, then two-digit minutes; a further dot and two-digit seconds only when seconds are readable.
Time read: 4.18.02
